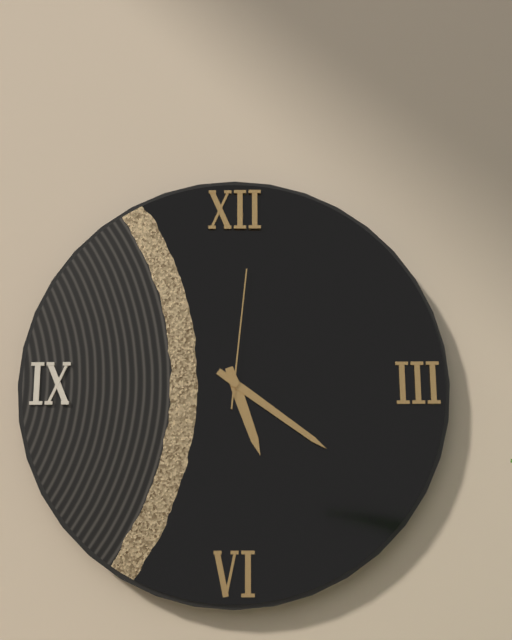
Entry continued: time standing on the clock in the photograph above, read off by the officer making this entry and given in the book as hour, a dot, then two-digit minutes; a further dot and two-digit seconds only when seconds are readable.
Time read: 5.21.01
